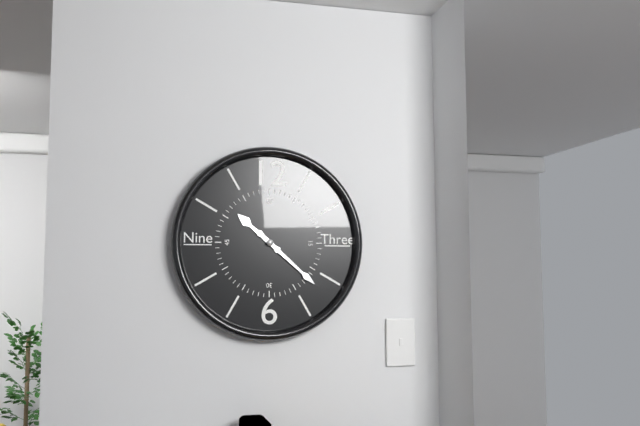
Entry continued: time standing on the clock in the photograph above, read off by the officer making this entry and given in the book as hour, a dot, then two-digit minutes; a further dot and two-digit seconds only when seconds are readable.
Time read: 10.22
